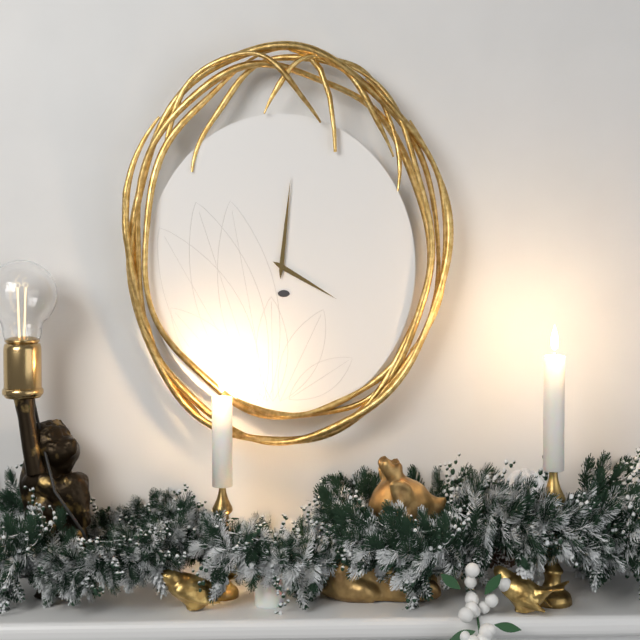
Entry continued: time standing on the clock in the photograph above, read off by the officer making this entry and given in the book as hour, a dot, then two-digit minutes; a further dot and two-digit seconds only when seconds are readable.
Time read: 4.01
